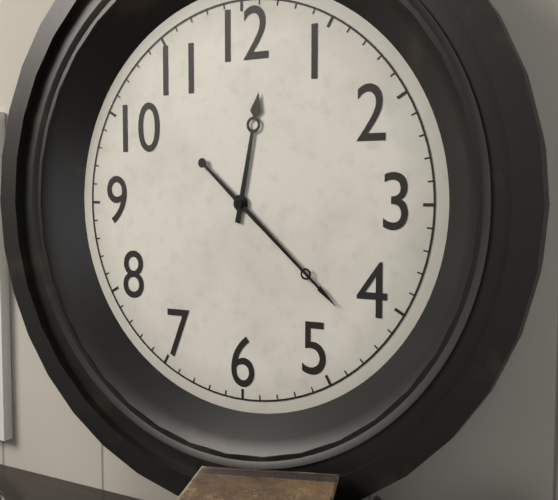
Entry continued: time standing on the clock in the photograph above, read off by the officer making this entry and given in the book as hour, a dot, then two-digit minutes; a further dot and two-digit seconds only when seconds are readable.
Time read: 12.22
